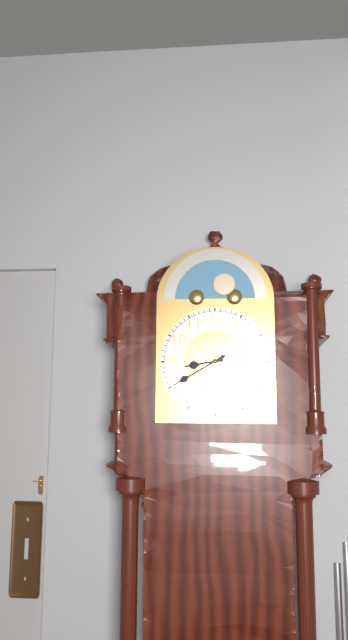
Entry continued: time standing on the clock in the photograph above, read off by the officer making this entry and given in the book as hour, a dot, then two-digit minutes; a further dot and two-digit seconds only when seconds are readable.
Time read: 8.40
